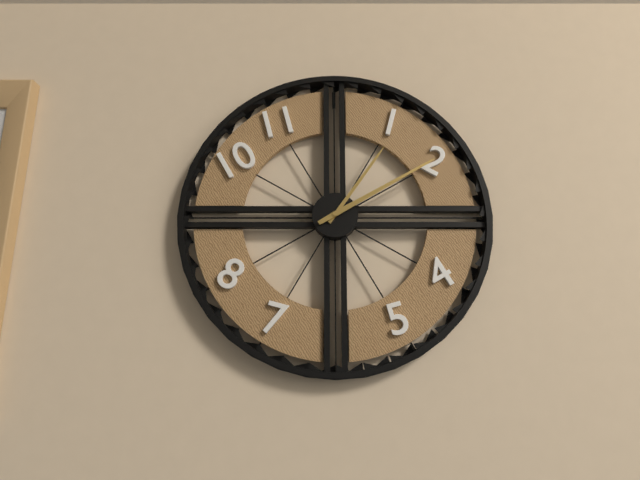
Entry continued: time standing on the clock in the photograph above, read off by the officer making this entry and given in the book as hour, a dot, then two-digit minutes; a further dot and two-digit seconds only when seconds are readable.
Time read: 1.10
